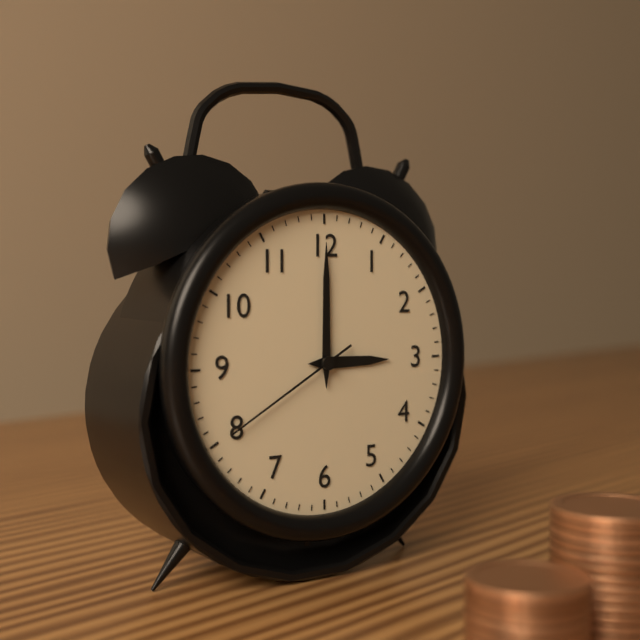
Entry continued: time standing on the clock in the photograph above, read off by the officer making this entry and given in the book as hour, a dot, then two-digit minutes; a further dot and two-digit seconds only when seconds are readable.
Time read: 3.00.40
